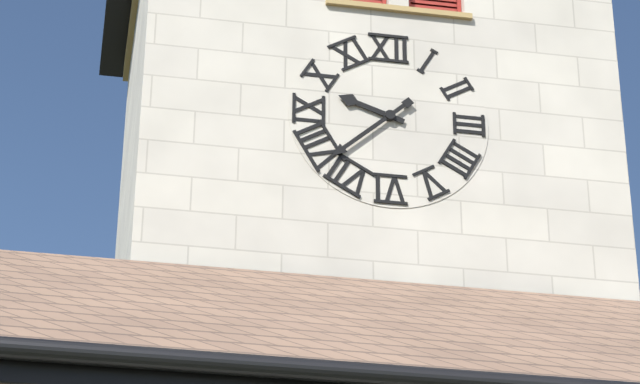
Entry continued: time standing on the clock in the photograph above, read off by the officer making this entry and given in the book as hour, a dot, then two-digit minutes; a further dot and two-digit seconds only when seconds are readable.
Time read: 9.38
